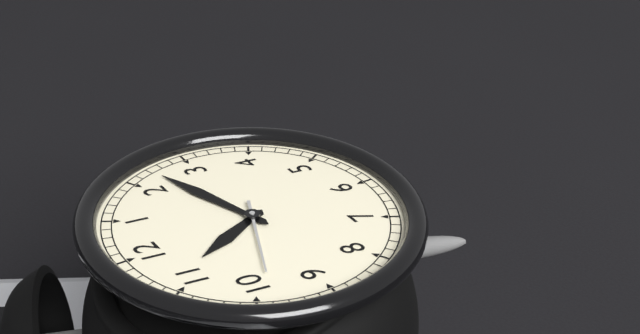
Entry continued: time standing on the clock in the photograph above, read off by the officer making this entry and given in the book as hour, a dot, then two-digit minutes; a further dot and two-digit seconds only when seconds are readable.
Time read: 11.12.49
